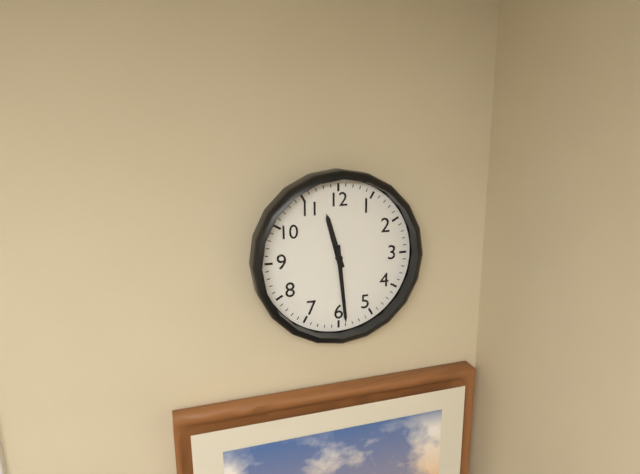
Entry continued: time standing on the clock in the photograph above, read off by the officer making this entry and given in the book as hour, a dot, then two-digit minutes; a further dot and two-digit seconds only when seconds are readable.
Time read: 11.29
